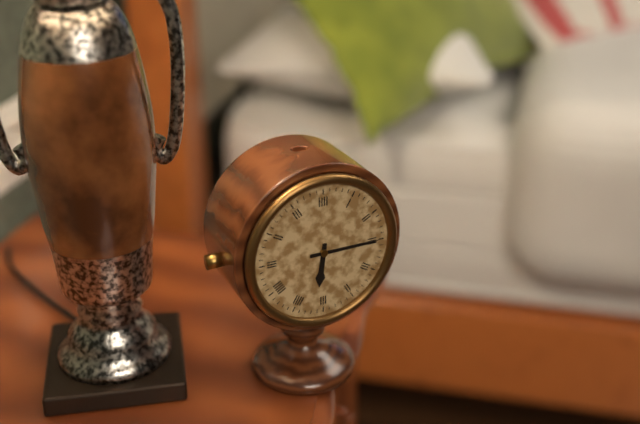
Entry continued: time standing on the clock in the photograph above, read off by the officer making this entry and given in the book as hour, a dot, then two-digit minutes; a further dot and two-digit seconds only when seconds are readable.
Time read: 6.15
